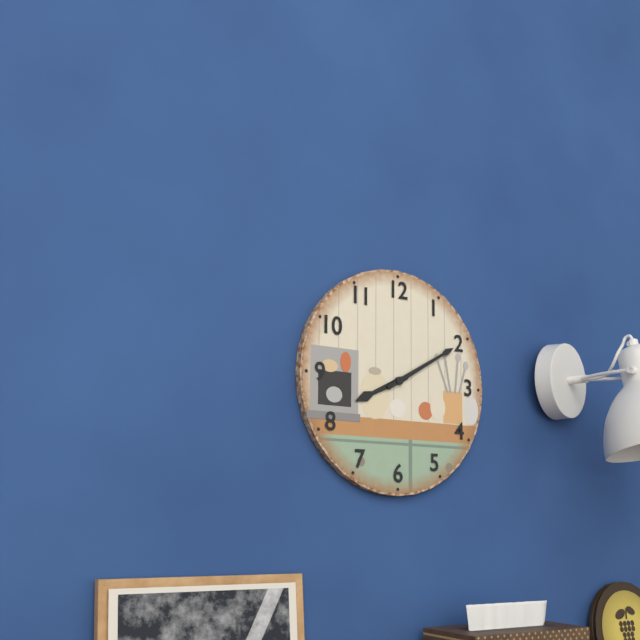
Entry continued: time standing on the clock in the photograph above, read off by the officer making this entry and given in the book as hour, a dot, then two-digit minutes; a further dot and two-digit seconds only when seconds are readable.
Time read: 8.10
